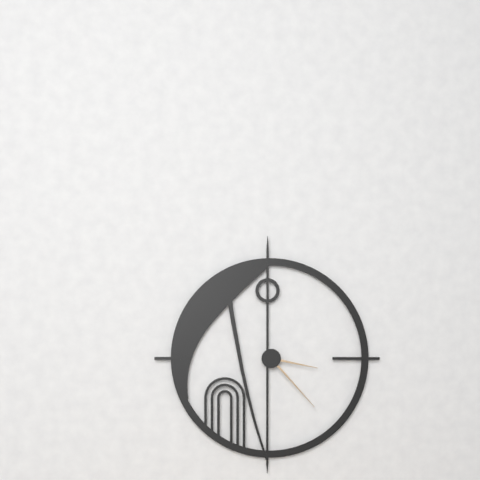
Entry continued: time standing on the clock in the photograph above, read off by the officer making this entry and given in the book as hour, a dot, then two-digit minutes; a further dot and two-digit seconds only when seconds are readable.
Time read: 3.23
